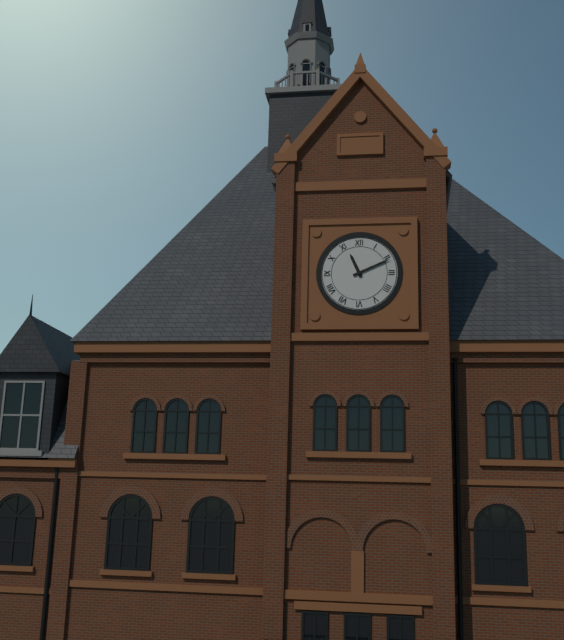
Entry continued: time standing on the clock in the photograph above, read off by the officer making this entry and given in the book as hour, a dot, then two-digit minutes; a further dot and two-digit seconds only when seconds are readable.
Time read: 11.11
